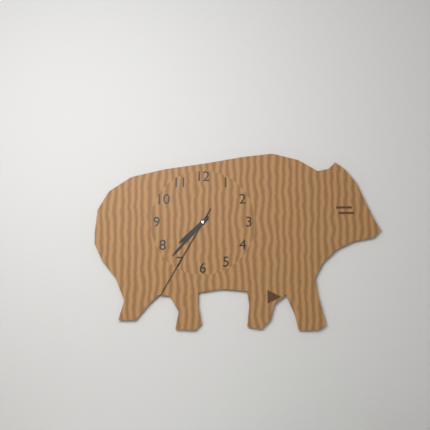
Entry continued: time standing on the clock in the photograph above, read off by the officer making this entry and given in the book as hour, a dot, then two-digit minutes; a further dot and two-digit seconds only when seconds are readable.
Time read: 7.37.35
